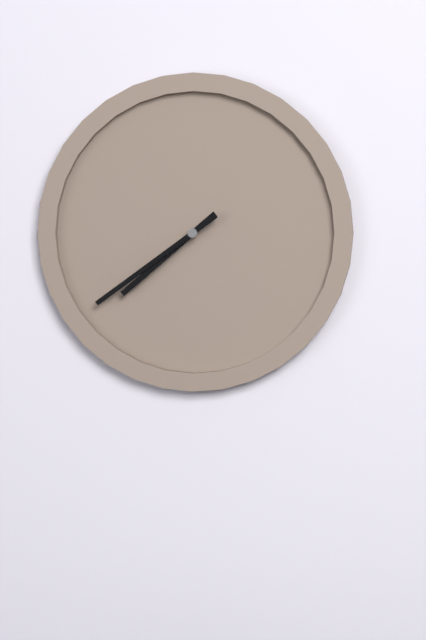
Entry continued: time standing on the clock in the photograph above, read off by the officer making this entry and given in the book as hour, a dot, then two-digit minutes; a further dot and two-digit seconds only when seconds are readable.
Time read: 7.39
